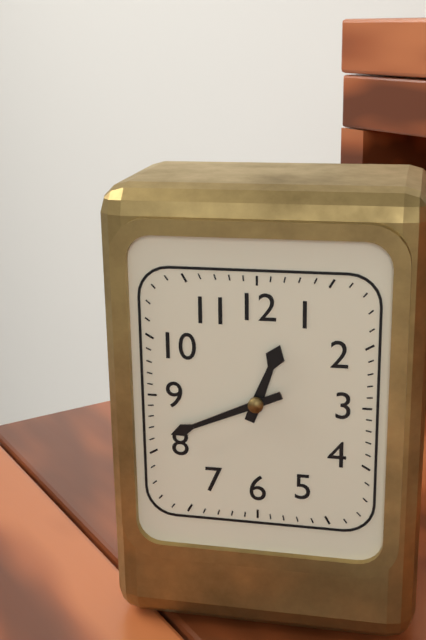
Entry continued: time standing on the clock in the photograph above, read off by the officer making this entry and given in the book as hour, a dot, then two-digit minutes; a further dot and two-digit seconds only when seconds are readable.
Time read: 12.41
